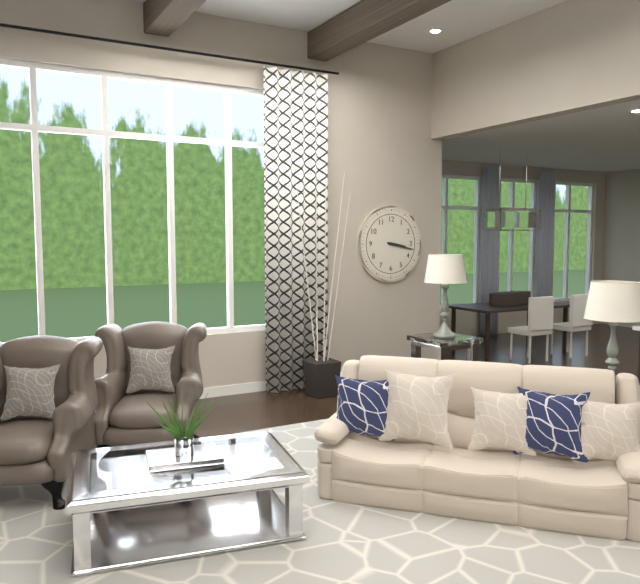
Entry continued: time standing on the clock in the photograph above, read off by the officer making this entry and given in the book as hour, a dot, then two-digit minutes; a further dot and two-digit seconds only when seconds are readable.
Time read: 3.17
